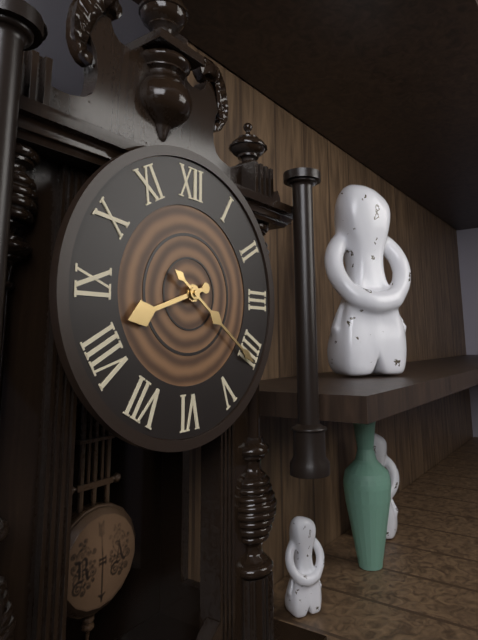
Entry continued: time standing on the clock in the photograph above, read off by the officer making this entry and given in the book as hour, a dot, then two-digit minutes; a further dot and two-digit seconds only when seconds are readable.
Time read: 8.21
